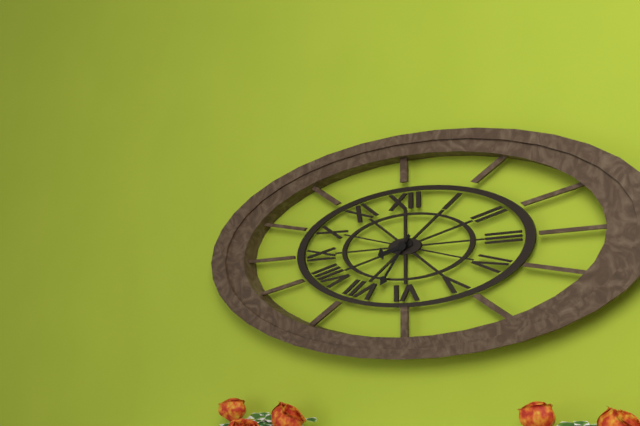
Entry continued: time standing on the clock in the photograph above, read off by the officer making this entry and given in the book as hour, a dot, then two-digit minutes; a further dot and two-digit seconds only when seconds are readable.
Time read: 8.36
